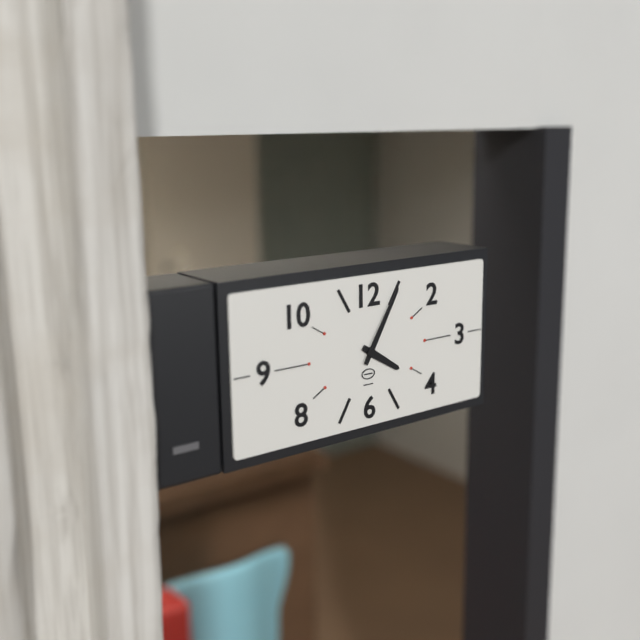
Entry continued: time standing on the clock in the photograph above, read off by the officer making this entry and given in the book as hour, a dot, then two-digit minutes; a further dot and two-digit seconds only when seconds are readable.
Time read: 4.05
